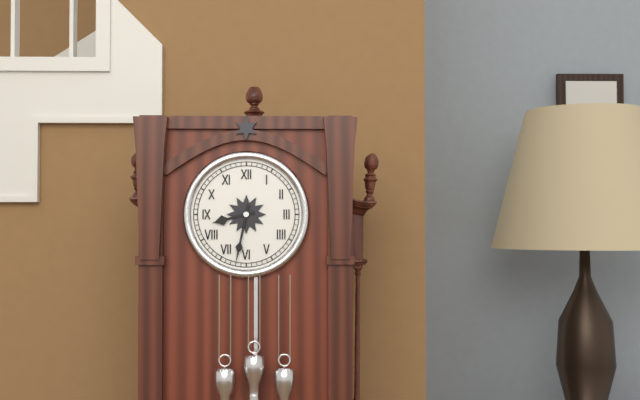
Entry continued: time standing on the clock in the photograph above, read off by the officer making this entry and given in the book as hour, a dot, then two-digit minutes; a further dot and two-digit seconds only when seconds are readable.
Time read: 8.32
